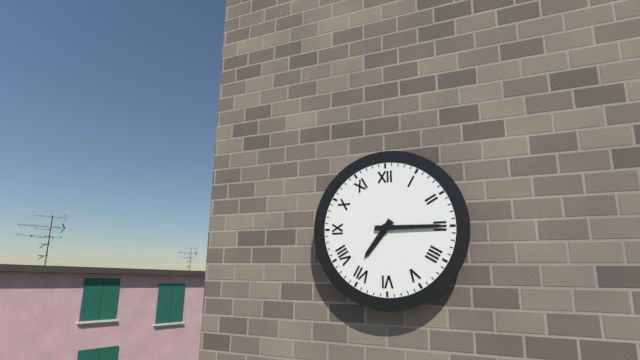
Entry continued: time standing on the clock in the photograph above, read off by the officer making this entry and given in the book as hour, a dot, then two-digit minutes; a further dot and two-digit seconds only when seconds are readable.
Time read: 7.15
